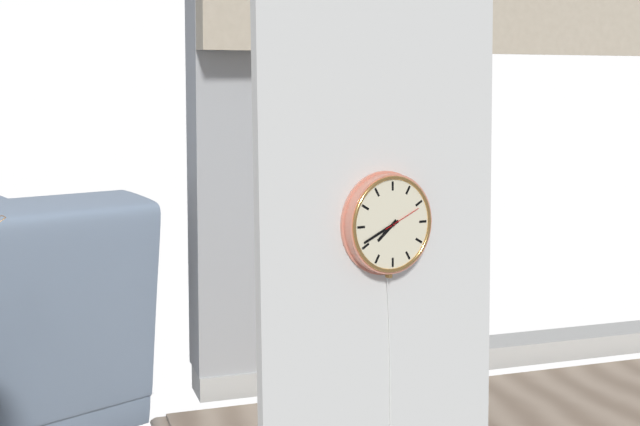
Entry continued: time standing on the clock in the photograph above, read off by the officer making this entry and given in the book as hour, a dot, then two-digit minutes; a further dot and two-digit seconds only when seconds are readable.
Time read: 7.41
